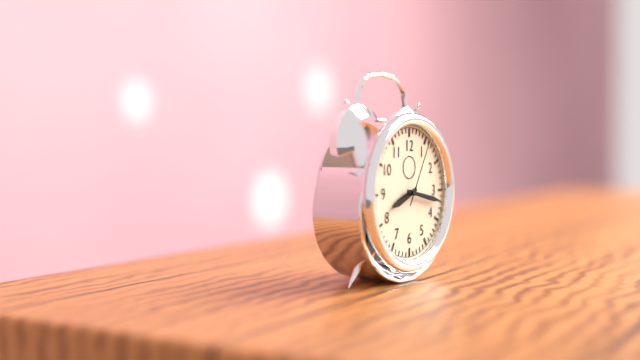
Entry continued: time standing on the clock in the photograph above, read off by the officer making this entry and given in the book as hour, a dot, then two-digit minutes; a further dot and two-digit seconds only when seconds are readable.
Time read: 8.17.05
